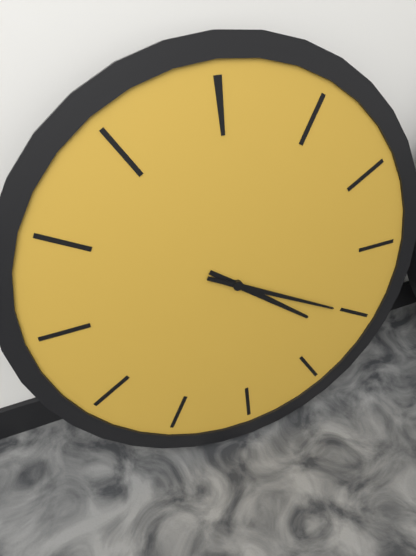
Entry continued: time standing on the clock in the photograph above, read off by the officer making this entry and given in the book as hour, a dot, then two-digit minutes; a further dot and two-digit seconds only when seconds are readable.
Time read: 4.20
